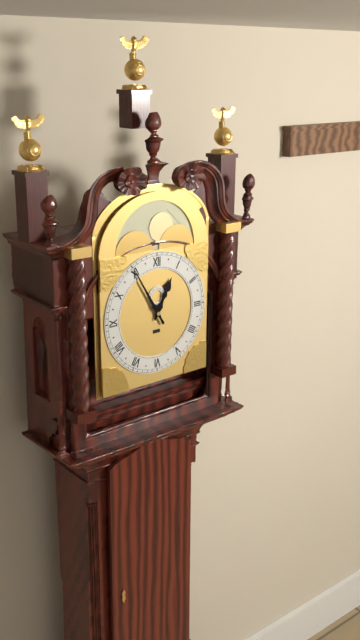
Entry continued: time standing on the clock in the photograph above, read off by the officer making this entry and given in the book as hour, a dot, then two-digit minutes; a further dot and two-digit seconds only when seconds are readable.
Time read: 12.55
